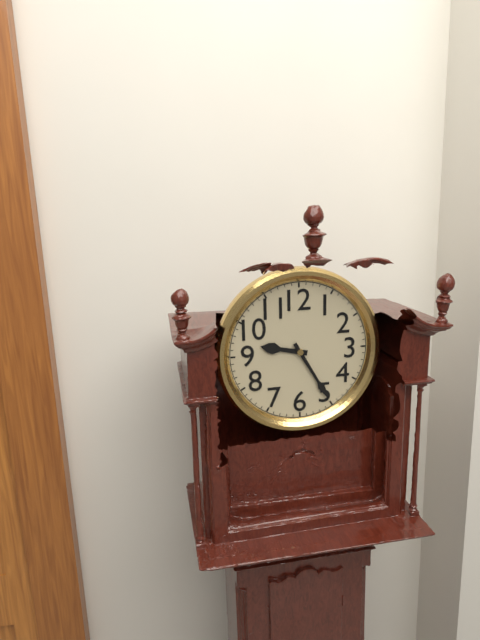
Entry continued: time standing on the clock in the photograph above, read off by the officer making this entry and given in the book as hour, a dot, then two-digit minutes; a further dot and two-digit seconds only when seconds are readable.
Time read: 9.25
